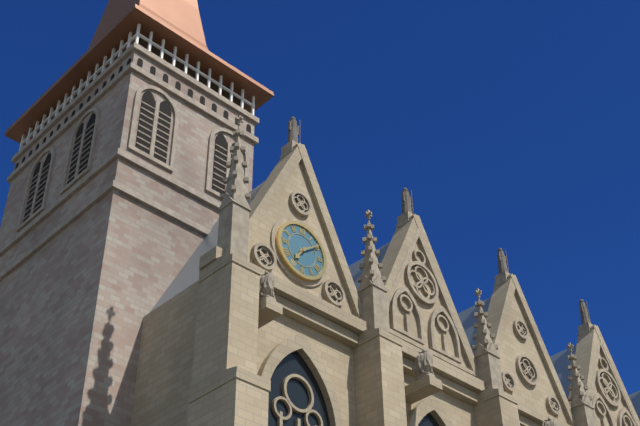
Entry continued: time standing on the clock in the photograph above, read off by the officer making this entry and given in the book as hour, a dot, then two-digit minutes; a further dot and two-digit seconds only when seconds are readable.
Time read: 7.09
